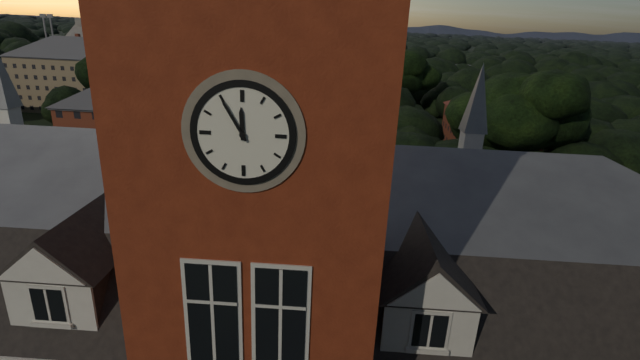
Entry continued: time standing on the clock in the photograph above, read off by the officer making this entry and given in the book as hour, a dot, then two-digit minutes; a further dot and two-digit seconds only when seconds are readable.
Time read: 11.55
